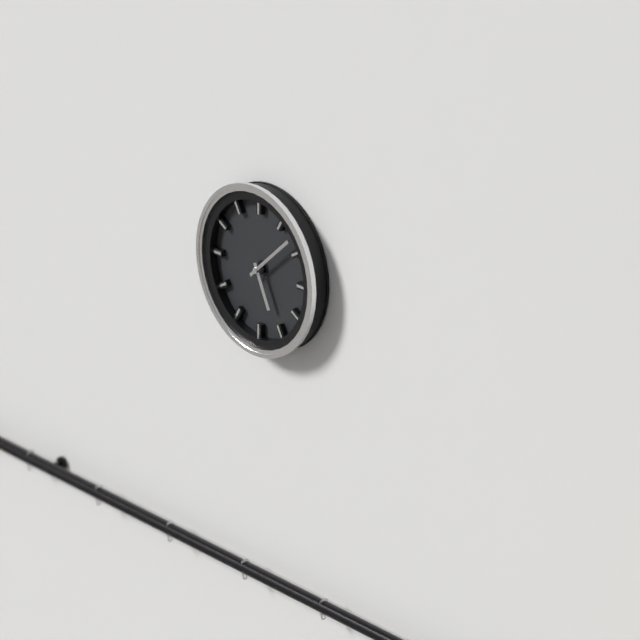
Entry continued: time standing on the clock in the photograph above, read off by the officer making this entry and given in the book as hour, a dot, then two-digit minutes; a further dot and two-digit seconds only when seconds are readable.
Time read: 5.08
